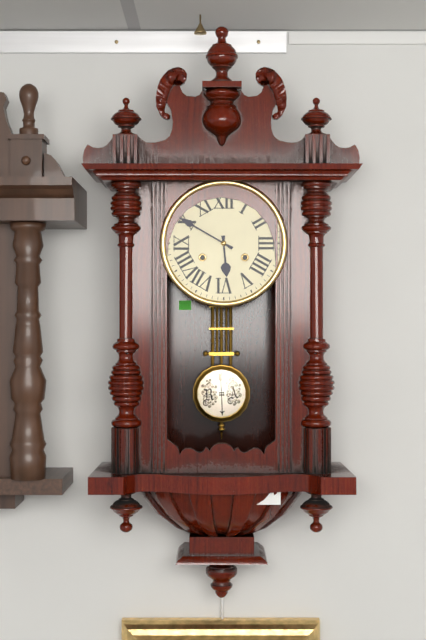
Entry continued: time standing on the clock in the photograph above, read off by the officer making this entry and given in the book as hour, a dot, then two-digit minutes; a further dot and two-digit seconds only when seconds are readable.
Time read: 5.50
